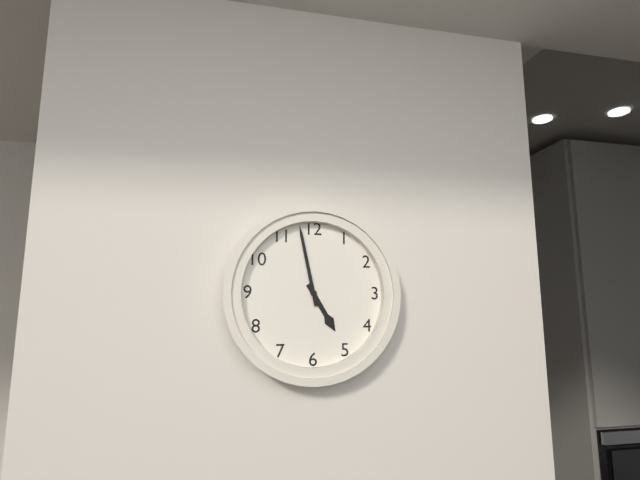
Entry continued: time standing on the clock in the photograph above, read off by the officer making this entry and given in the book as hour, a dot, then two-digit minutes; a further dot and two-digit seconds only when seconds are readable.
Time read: 4.58
